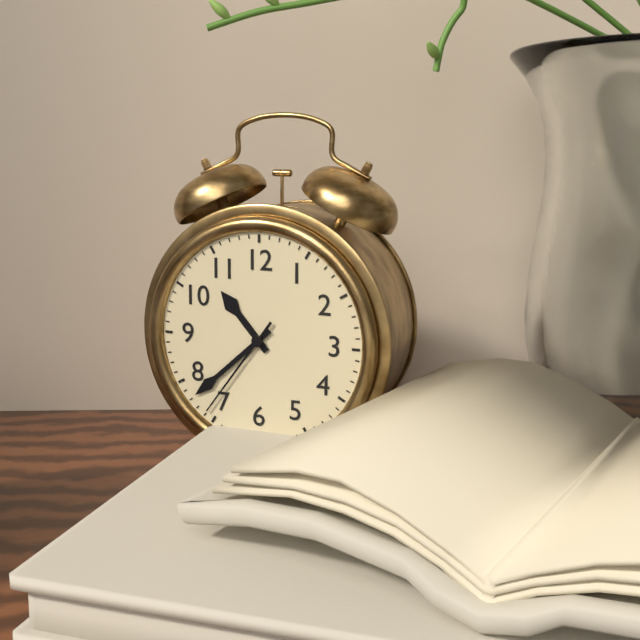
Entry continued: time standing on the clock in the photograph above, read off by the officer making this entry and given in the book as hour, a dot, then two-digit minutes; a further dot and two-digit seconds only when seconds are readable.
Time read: 10.38.36
